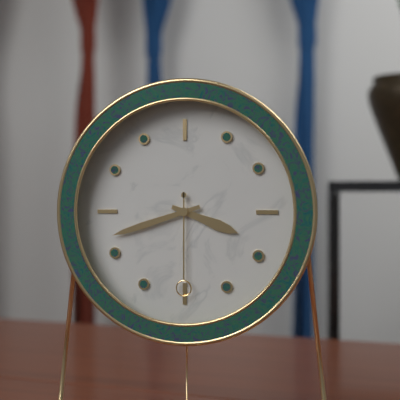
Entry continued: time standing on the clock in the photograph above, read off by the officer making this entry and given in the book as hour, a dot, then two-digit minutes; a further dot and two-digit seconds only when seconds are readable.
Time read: 3.42.30
